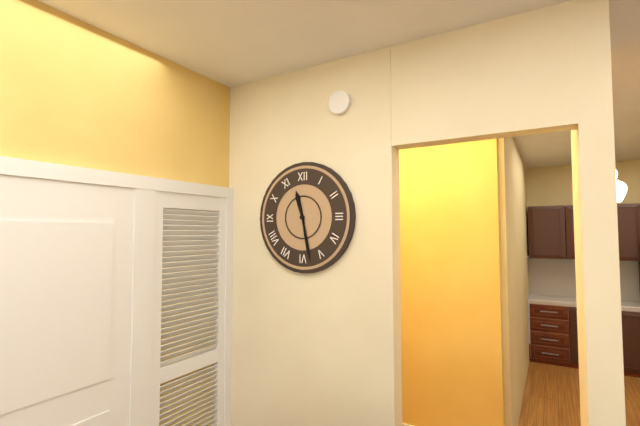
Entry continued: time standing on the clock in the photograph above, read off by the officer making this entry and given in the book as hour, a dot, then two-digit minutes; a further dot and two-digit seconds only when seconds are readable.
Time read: 11.28
